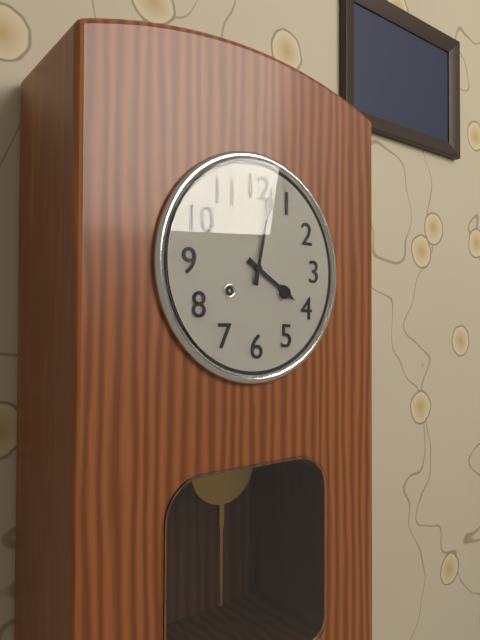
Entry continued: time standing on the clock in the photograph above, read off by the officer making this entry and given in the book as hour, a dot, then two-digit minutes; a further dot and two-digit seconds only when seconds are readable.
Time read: 4.02
